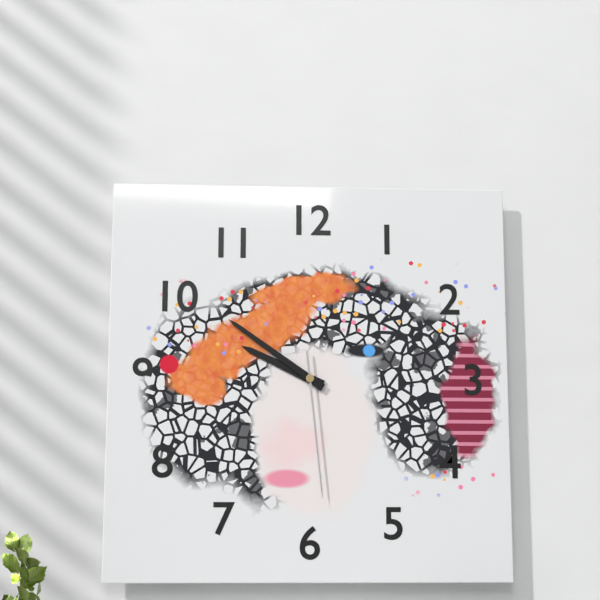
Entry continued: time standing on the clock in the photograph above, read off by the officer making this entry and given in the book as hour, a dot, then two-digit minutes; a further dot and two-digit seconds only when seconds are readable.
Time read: 9.51.29
